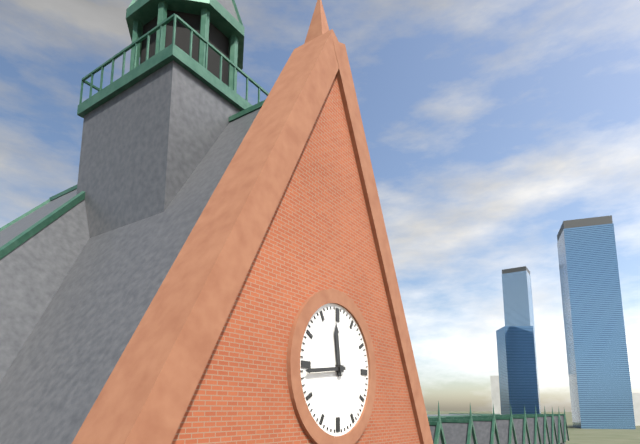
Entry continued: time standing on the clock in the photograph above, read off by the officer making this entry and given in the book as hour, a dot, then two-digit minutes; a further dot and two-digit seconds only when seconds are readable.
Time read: 11.44
